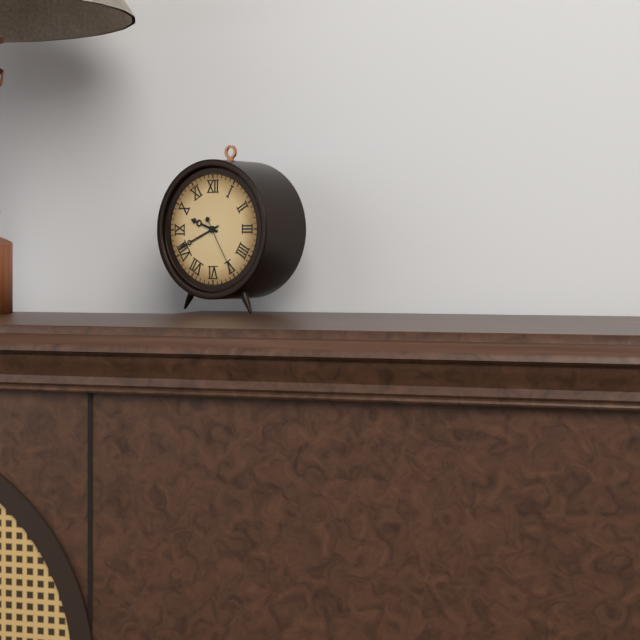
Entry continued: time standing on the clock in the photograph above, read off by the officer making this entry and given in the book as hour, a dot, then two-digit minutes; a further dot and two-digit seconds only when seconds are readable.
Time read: 9.41.25
